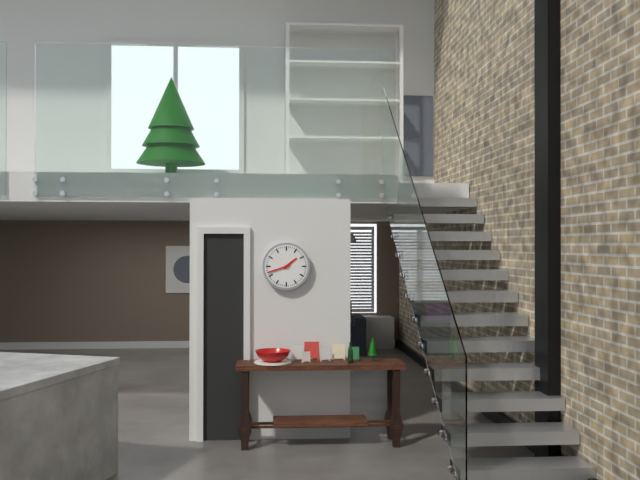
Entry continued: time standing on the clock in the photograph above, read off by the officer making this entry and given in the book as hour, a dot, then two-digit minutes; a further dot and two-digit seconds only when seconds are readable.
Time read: 1.42
